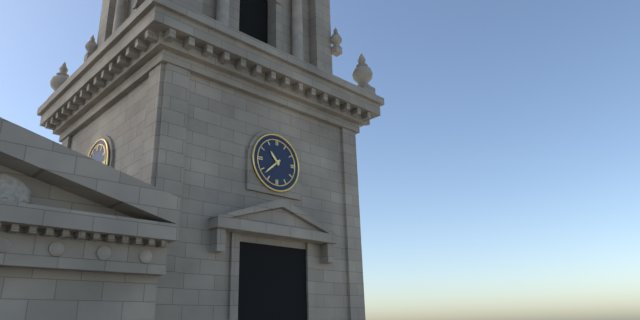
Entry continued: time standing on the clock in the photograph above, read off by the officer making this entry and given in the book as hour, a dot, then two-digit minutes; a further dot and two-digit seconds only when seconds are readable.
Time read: 10.38
